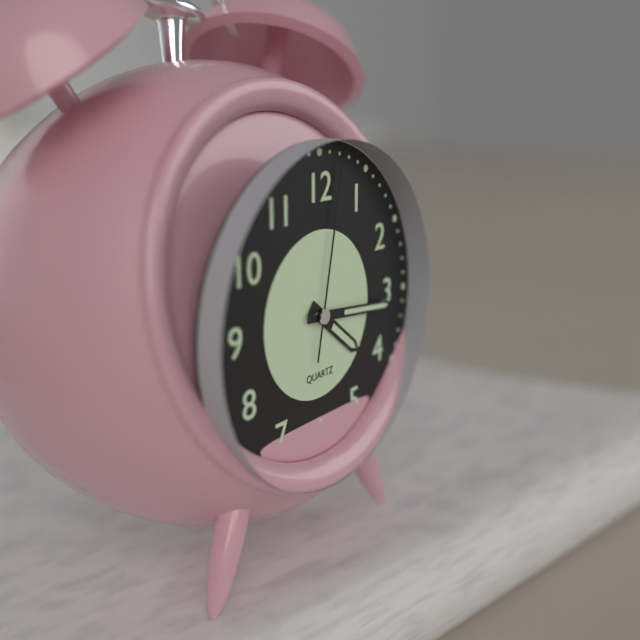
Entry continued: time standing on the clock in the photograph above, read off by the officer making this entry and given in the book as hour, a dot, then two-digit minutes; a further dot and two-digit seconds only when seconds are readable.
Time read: 4.16.02
